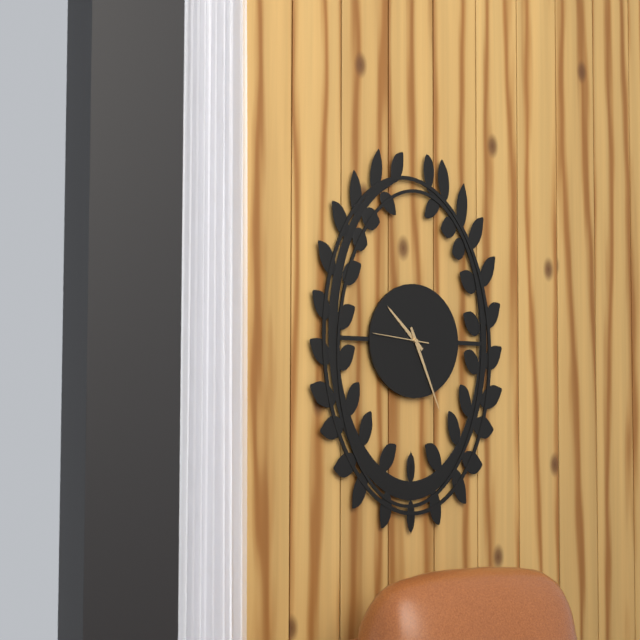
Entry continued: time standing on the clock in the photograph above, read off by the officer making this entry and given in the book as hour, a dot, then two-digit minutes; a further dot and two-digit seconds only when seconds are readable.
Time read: 10.26
